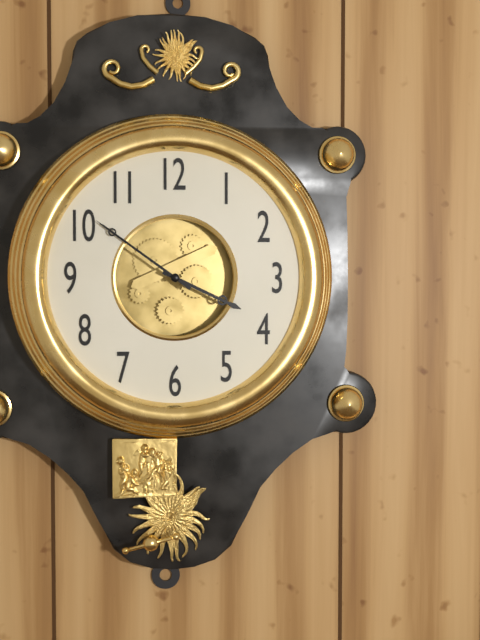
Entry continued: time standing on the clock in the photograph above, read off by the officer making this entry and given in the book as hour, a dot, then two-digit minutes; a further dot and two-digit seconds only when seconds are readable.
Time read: 3.51
